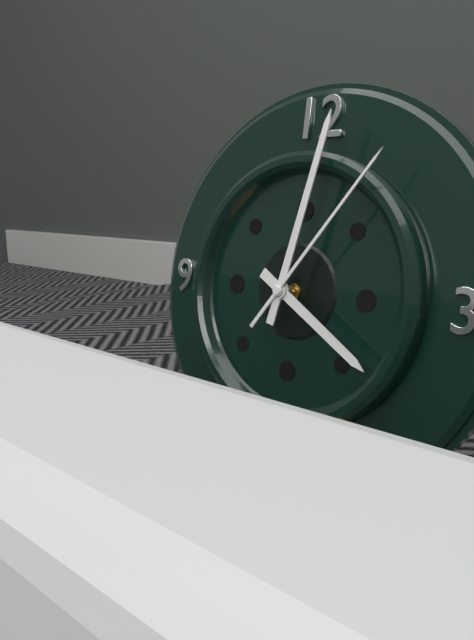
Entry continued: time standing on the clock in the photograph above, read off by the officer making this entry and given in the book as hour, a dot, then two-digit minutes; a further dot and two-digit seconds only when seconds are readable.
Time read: 4.02.06
